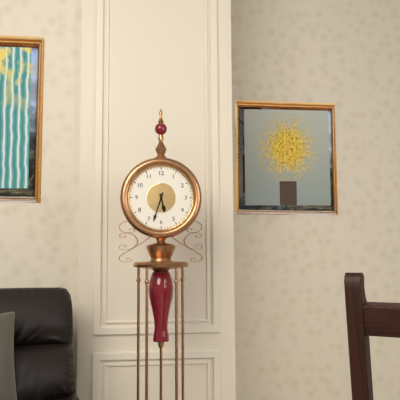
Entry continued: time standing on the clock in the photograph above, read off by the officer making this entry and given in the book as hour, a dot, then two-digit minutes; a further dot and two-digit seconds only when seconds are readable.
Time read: 5.33
